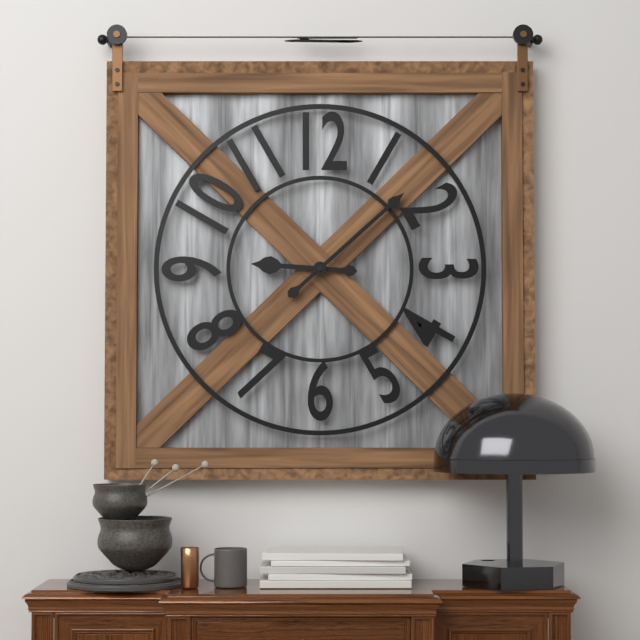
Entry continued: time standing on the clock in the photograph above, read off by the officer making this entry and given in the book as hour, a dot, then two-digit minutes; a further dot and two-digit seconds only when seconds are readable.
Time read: 9.08
